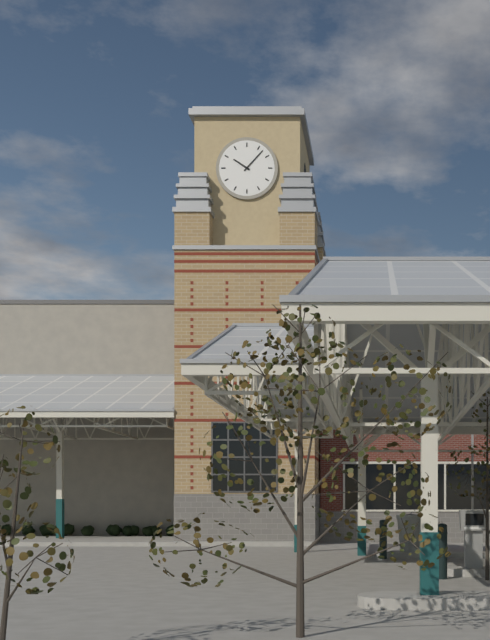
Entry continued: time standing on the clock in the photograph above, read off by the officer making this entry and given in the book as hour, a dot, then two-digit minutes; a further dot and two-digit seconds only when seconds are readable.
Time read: 10.07
